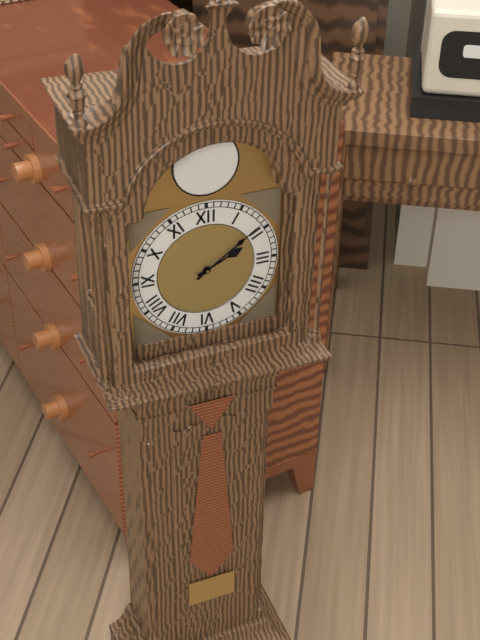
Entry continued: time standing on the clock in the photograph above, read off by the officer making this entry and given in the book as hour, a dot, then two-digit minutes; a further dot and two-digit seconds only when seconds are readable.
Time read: 2.09
